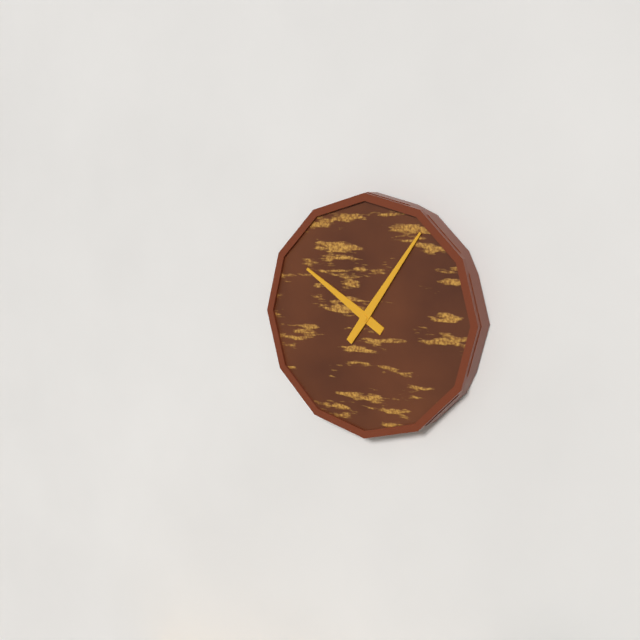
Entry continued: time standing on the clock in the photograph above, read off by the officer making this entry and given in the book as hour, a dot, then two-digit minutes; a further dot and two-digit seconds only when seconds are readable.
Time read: 10.06
